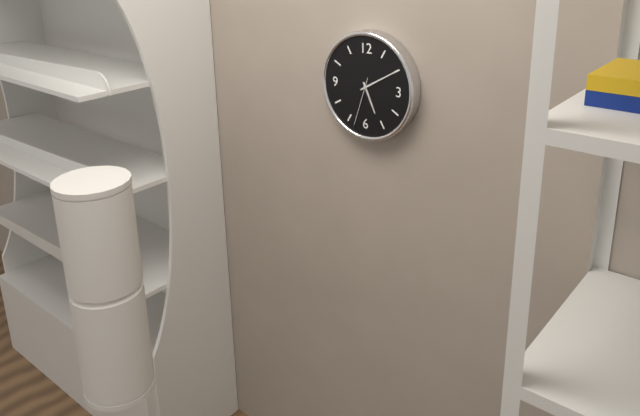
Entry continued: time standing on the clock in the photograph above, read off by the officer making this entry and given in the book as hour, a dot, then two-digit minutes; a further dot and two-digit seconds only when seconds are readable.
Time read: 5.10.33
